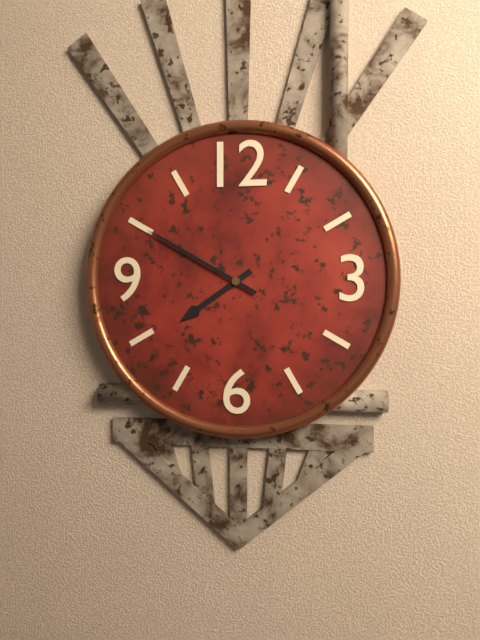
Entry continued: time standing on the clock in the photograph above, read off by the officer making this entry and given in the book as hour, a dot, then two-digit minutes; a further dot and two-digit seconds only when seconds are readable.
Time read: 7.50
